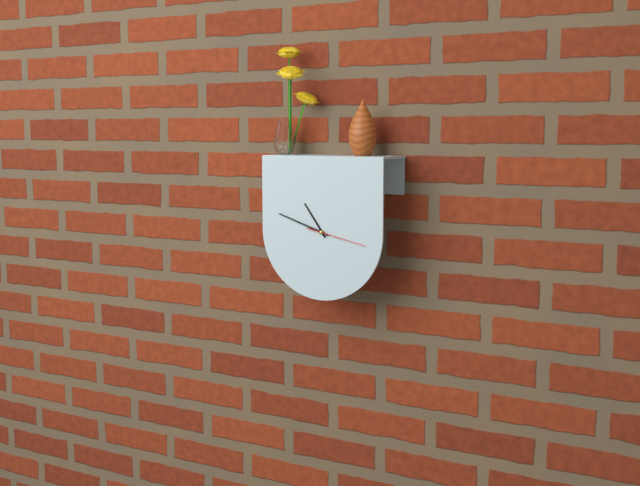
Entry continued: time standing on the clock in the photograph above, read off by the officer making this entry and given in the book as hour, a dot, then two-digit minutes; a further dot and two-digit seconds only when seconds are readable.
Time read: 10.48.17
